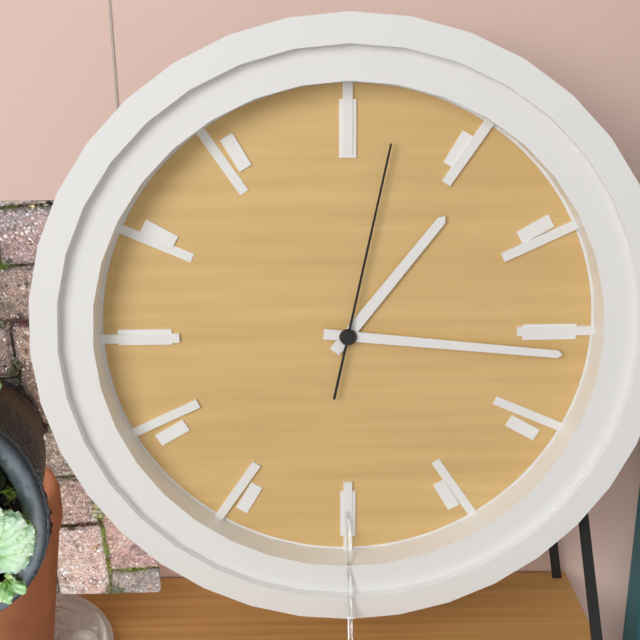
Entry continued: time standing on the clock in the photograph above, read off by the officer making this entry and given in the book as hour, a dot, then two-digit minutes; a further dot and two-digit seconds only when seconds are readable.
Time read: 1.16.02
